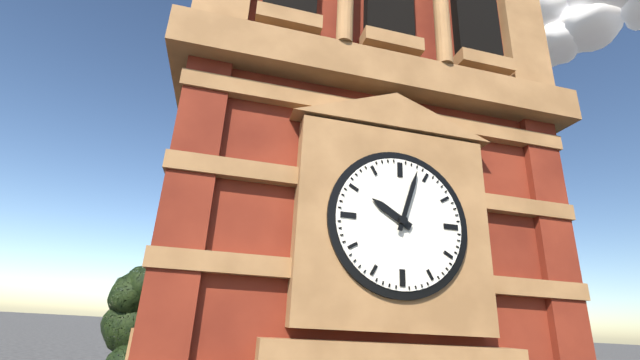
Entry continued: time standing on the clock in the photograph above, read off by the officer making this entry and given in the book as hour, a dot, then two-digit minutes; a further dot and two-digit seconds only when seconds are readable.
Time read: 10.03
